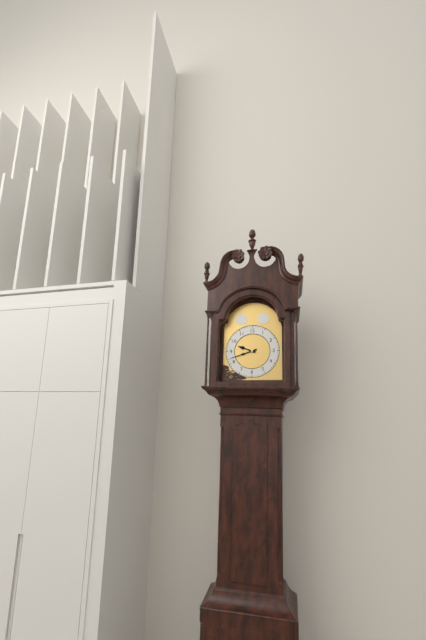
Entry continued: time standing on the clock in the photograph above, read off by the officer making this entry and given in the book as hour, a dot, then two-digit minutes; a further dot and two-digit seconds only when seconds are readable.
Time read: 9.42
